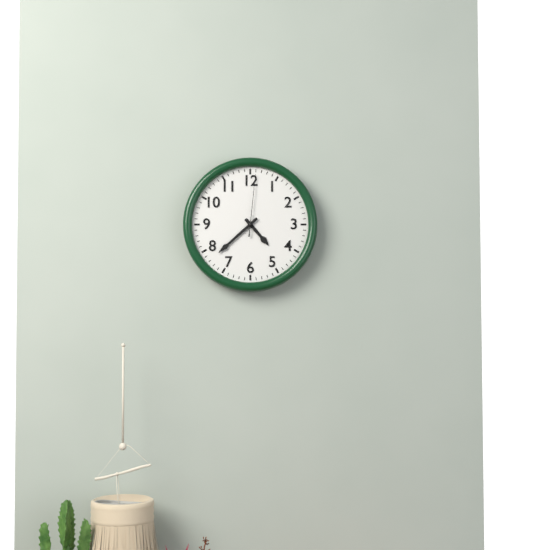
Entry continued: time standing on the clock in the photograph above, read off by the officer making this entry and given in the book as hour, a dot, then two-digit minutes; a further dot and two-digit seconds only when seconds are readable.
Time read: 4.38.01
